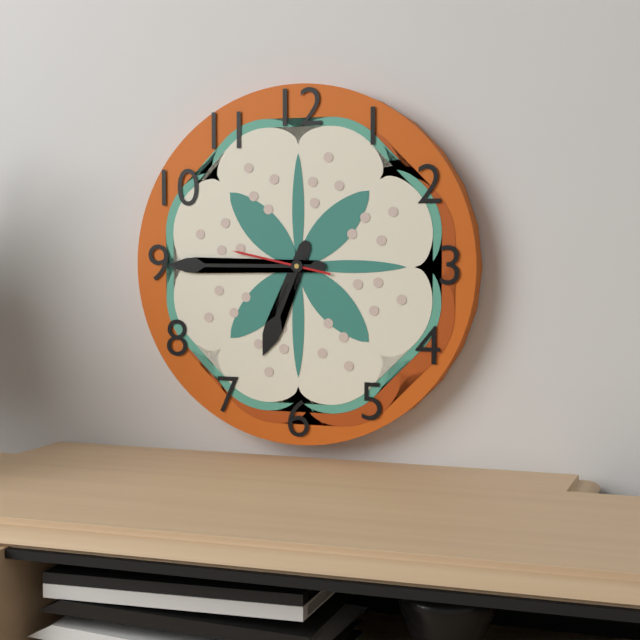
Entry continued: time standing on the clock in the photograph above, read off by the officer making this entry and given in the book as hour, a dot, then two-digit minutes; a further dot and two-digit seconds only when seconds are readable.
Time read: 6.45.47
